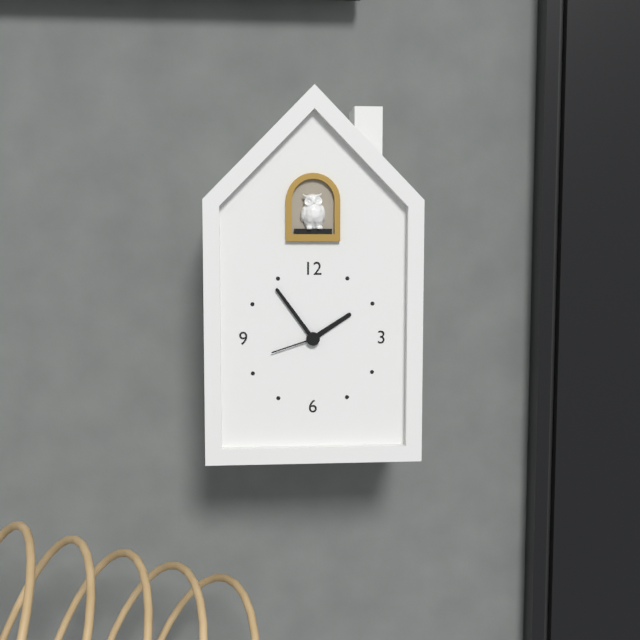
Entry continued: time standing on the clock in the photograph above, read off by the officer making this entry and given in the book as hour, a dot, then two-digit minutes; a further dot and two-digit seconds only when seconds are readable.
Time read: 1.54.42
